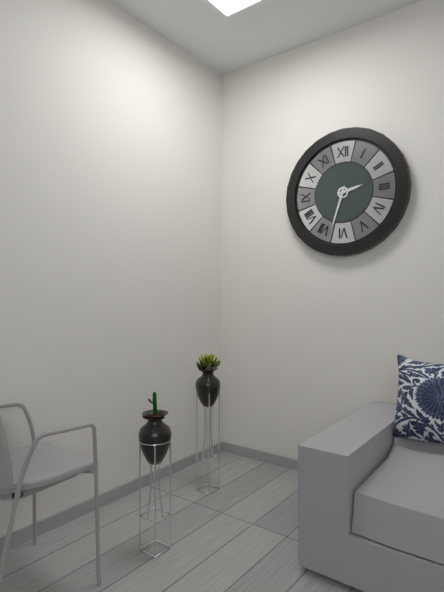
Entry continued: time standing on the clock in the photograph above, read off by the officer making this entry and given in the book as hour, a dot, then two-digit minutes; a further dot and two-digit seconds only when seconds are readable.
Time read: 2.33
